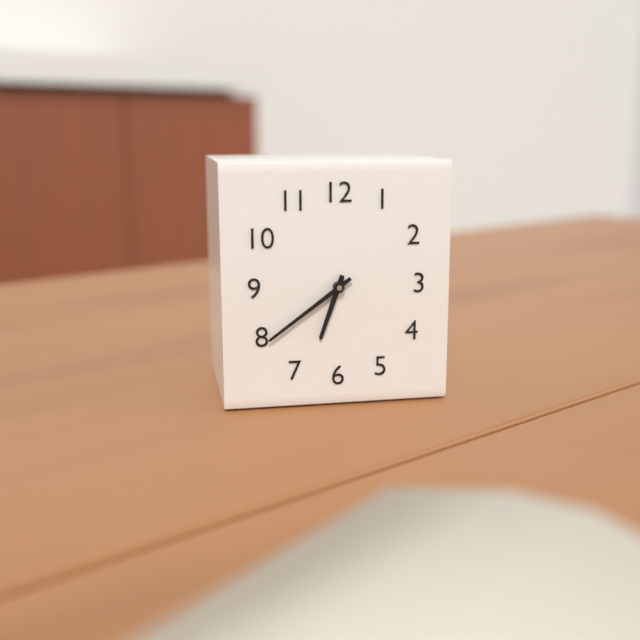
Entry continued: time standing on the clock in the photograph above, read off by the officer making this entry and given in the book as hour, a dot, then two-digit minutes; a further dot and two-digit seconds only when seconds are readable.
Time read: 6.39
